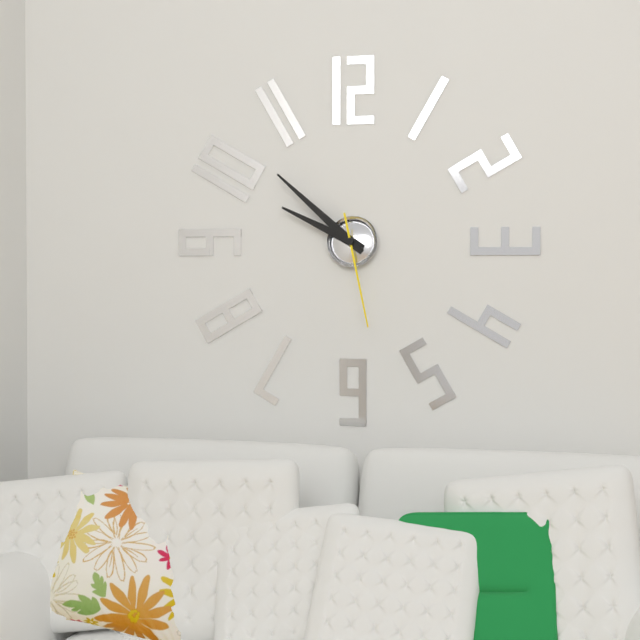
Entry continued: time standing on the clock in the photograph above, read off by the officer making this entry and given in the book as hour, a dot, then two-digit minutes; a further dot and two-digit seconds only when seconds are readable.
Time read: 9.52.28
